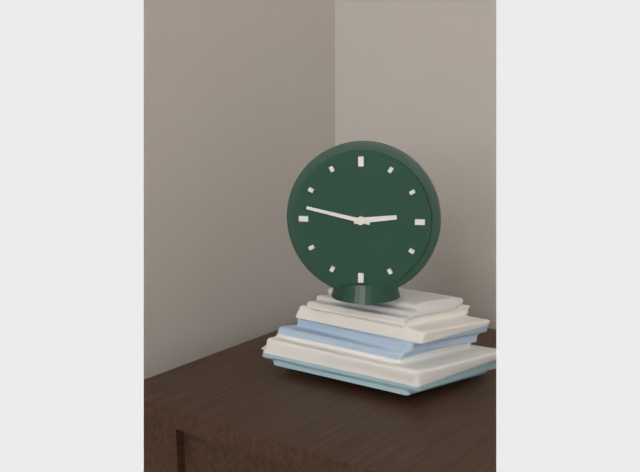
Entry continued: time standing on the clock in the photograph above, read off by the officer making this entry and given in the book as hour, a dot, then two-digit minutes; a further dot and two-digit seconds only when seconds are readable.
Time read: 2.47
